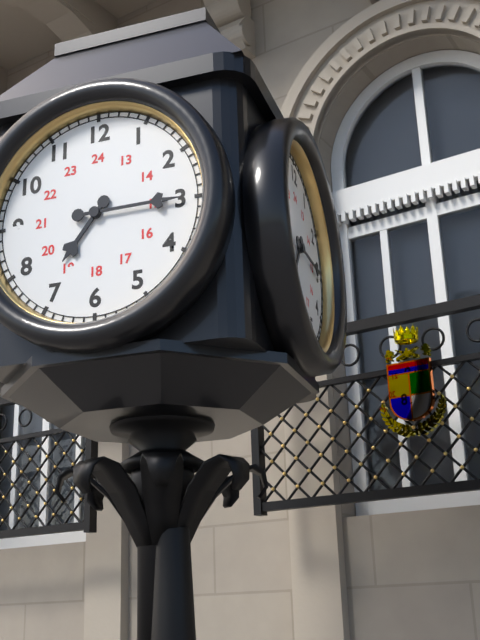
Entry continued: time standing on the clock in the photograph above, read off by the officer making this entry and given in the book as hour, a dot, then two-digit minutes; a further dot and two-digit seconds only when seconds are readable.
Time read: 7.15
